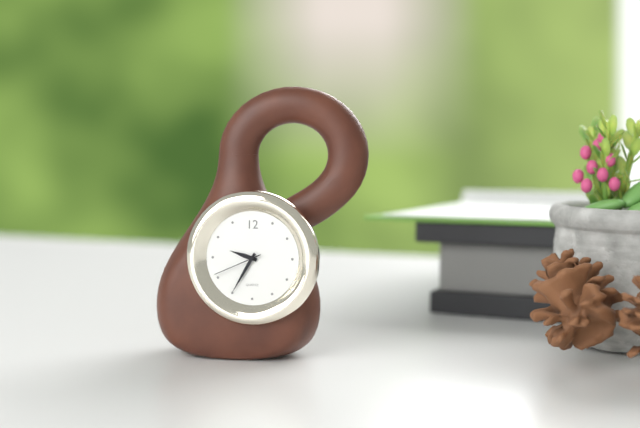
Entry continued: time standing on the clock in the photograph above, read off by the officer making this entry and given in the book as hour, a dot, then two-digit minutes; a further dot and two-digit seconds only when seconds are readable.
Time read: 9.35.41
